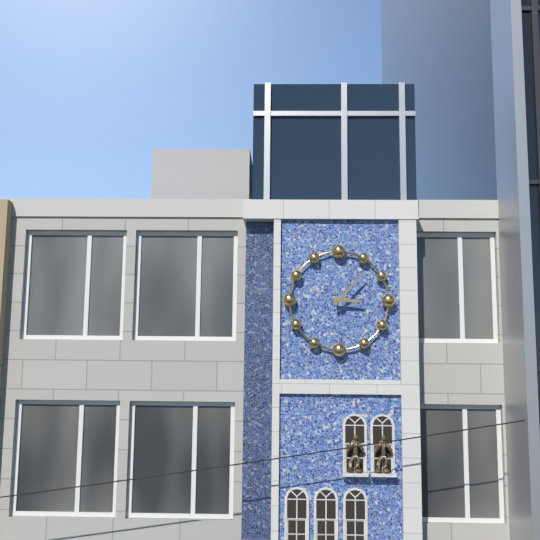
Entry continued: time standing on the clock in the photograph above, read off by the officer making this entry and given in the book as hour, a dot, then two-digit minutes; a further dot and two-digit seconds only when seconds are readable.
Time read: 3.07
